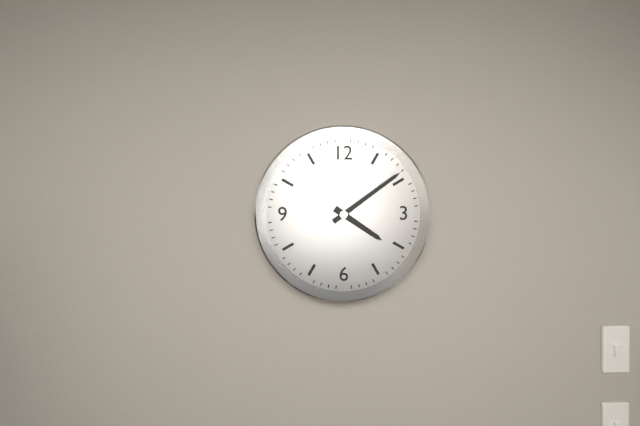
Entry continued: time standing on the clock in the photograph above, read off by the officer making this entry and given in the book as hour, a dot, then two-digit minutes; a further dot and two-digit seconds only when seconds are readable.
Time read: 4.09
